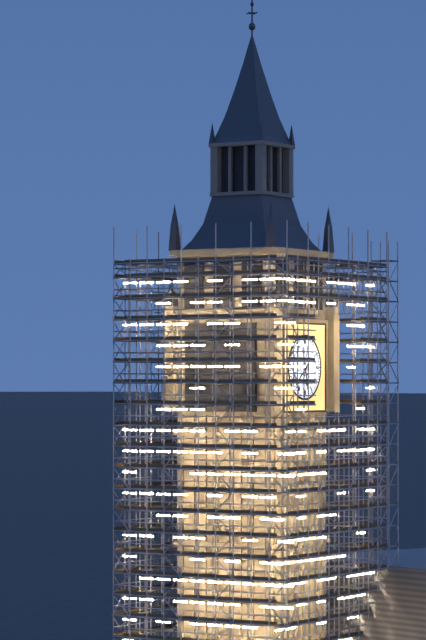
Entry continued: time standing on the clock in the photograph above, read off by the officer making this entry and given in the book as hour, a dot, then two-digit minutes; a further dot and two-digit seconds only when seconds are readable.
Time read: 5.38
